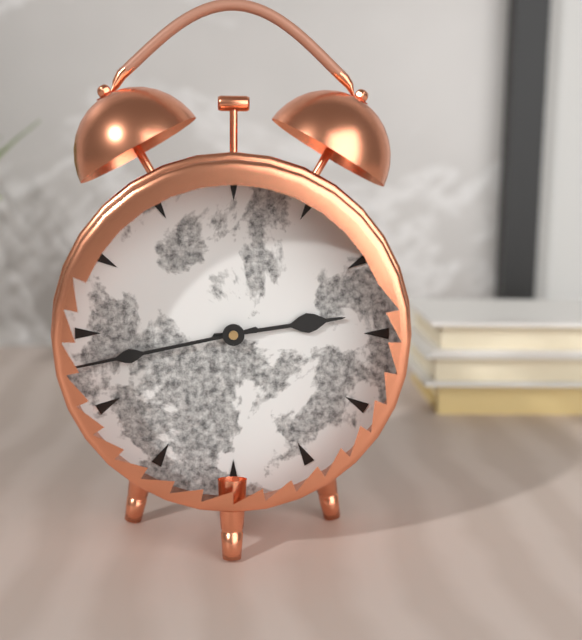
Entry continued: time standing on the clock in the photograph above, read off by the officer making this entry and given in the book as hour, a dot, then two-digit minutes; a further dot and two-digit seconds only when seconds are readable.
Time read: 2.43
